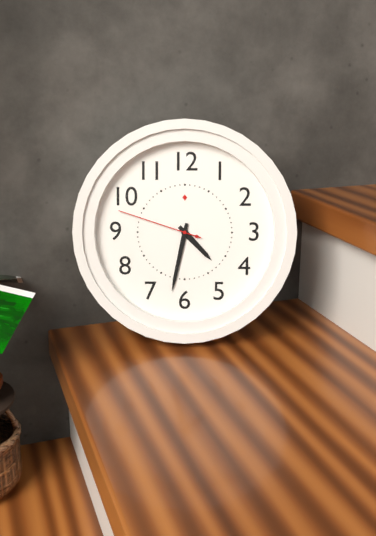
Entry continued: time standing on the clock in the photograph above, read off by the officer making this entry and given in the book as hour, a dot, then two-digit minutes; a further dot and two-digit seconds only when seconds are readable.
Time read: 4.32.48
